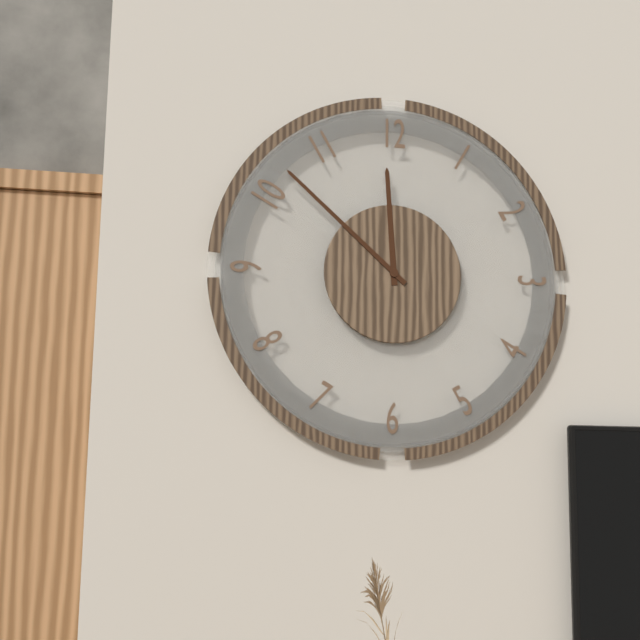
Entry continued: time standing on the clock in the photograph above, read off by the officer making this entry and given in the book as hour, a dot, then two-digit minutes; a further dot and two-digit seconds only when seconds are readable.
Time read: 11.52
